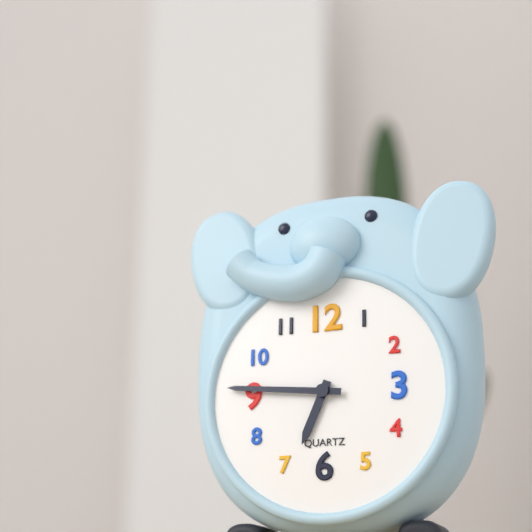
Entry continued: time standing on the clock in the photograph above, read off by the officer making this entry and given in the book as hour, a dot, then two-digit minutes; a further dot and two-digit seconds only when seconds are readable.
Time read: 6.46
